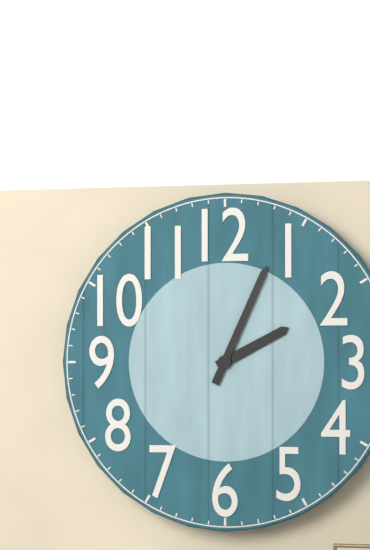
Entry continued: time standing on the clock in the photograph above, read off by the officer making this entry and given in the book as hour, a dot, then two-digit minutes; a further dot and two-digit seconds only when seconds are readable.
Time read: 2.04
